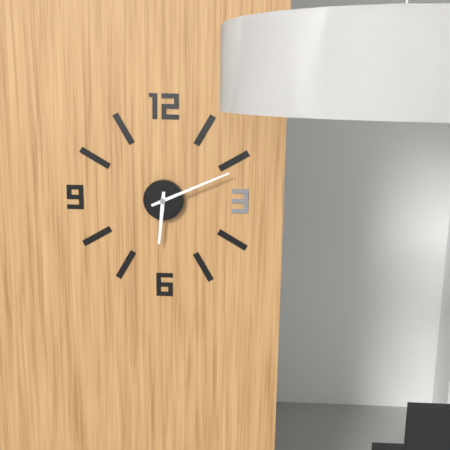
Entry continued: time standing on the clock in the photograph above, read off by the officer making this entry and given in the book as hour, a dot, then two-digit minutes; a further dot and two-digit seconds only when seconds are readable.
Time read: 6.11
